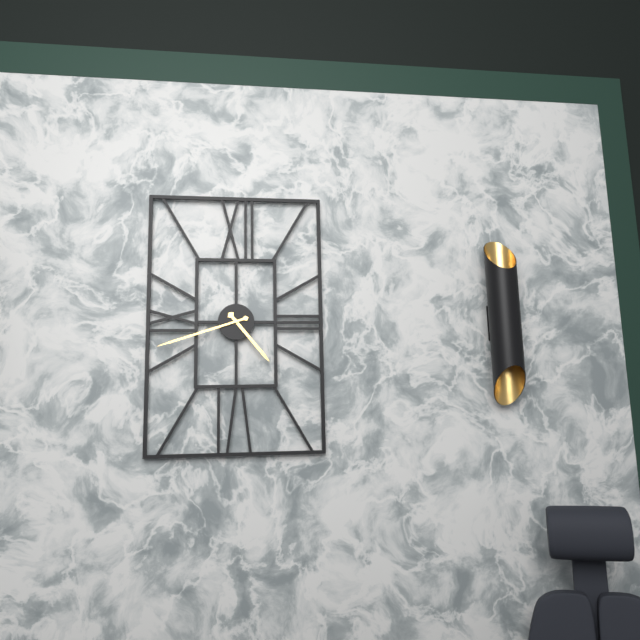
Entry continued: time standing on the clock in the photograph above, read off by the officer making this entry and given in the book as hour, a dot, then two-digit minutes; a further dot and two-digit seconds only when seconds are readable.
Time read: 4.42
